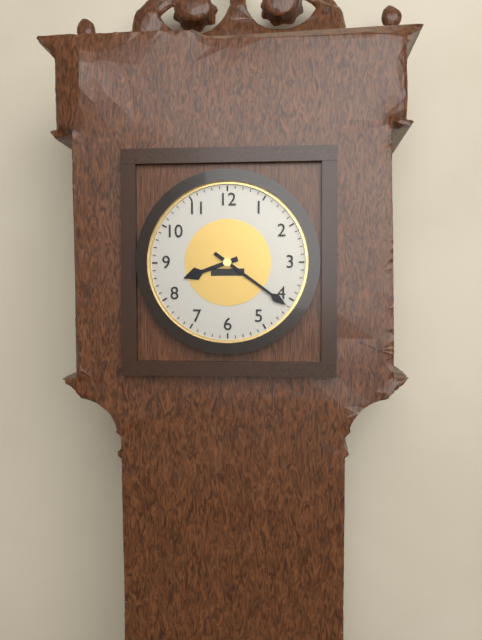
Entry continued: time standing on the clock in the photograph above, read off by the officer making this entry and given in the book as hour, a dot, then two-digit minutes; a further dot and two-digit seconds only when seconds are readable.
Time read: 8.21
